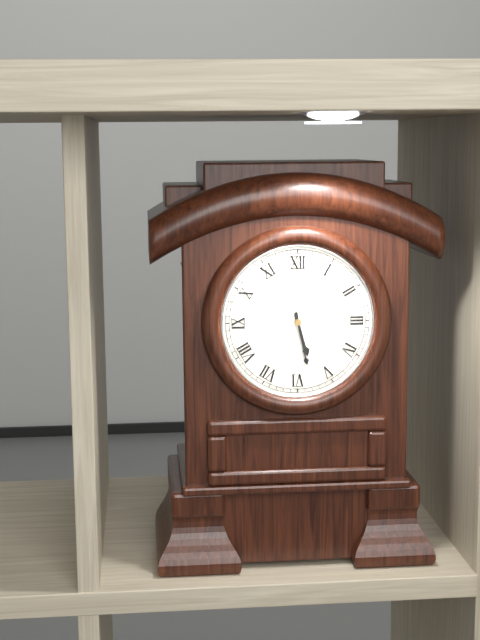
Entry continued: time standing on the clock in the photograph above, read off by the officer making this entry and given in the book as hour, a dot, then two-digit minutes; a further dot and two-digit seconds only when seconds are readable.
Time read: 5.28
